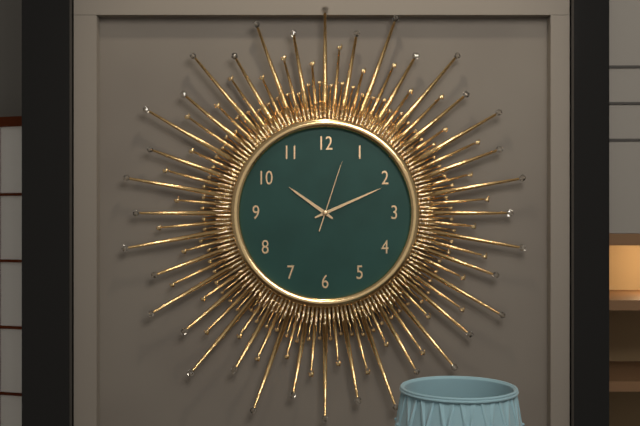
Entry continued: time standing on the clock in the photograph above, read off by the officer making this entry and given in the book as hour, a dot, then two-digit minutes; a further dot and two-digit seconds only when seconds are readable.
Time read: 10.11.03
